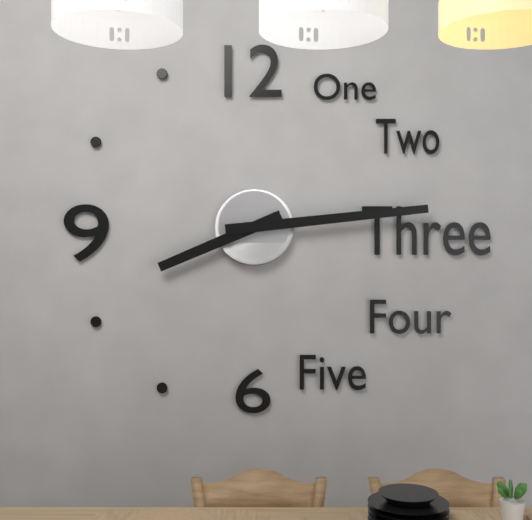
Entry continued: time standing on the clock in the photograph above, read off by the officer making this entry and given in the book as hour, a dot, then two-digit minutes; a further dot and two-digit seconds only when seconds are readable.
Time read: 8.14
